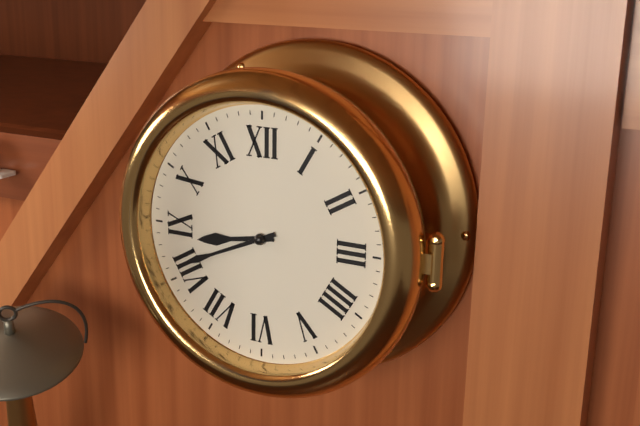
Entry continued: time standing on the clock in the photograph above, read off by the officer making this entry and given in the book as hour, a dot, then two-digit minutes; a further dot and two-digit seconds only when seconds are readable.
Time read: 8.41
